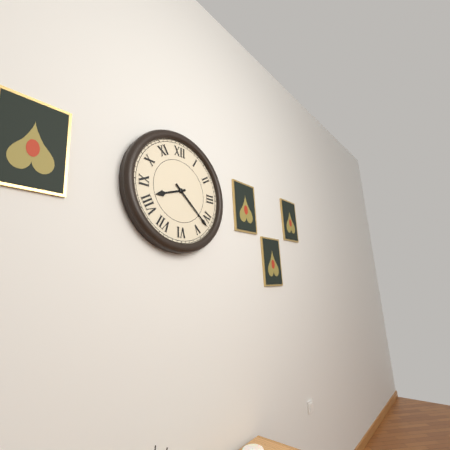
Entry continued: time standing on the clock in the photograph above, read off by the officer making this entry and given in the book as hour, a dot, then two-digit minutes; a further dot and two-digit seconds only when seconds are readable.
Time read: 8.22
